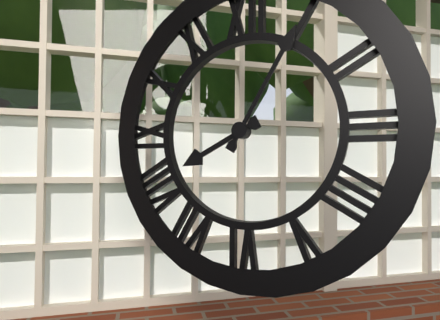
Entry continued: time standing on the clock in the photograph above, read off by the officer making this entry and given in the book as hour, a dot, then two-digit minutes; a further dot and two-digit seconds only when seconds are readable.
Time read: 8.05
